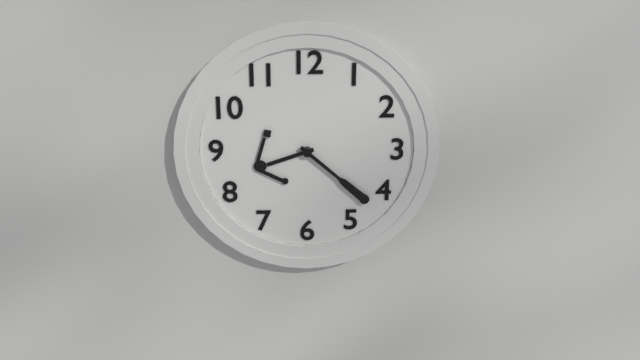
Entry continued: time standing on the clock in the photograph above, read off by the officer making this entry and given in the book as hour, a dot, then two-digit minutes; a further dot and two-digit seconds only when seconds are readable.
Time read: 8.22
